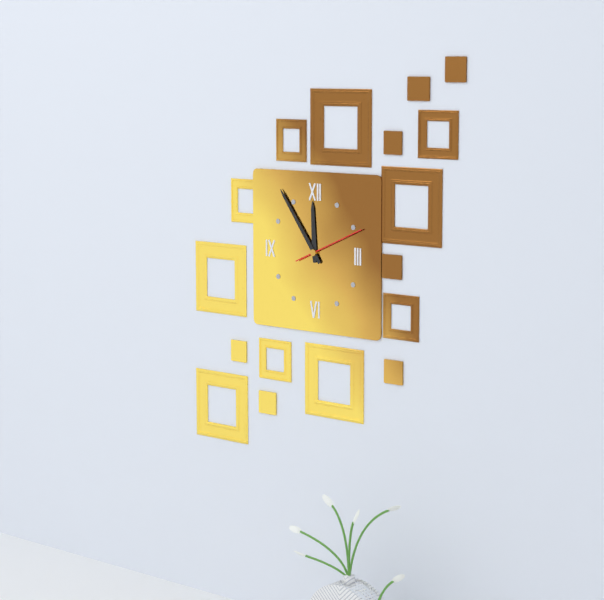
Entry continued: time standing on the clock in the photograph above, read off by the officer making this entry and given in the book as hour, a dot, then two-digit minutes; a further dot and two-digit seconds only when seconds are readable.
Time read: 11.54.11
